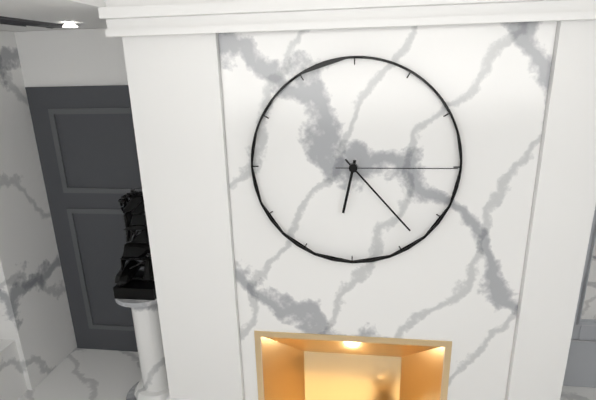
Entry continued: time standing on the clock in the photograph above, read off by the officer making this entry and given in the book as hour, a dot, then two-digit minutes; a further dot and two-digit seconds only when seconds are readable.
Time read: 6.23.15
